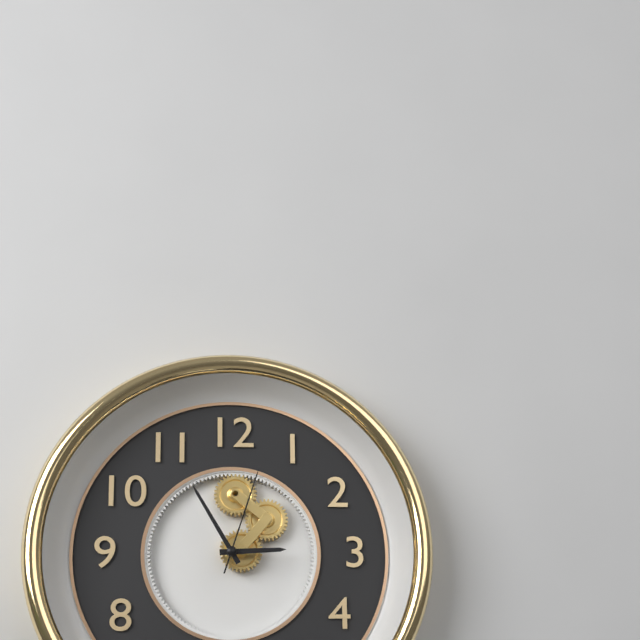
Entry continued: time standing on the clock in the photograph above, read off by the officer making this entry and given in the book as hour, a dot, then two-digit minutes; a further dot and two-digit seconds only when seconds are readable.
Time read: 2.55.03
